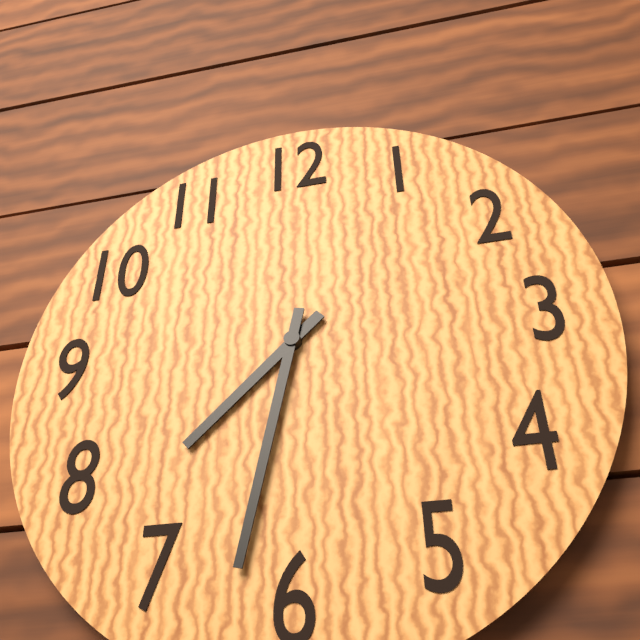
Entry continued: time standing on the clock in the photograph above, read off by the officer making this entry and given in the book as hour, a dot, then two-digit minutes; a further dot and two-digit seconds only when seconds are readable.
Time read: 7.32
